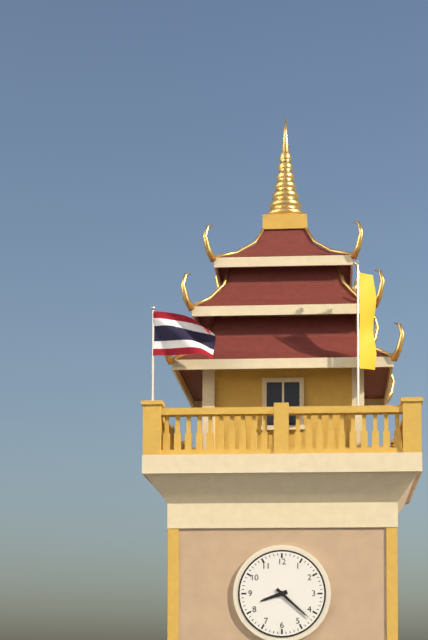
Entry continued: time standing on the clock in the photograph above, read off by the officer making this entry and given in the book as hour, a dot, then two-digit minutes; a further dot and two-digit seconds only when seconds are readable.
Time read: 8.22
